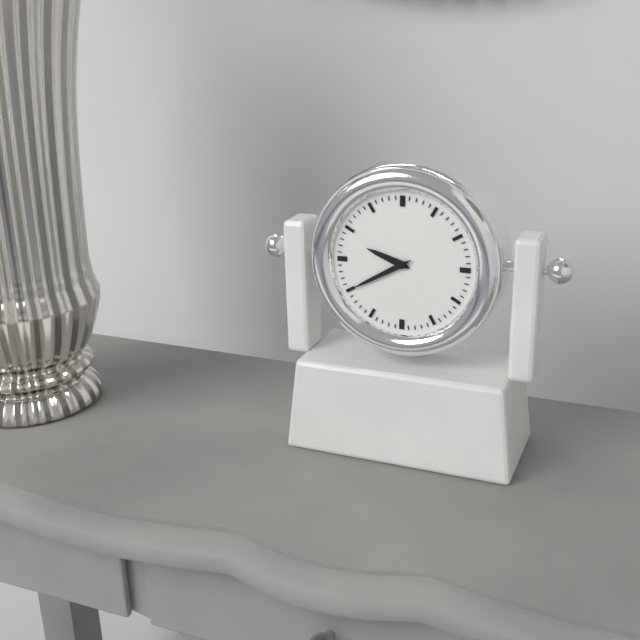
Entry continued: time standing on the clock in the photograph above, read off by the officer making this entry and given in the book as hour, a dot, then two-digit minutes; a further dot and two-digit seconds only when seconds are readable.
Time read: 9.40
